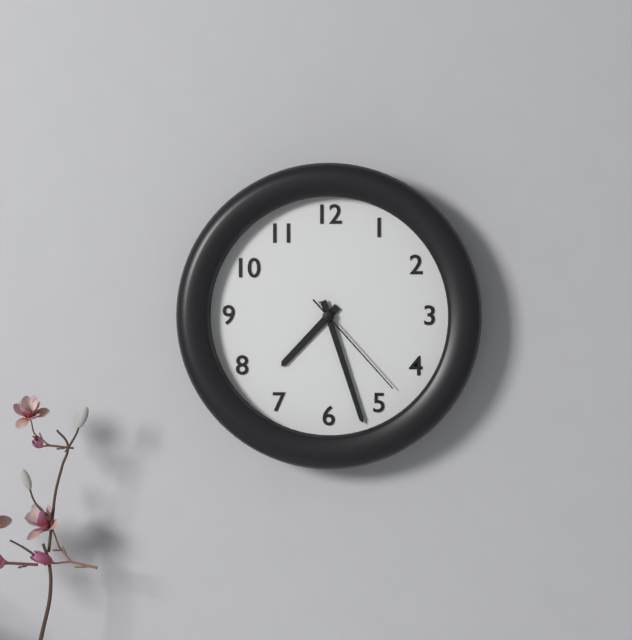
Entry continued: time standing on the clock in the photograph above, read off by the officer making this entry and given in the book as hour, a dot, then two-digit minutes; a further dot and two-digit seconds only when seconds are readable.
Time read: 7.27.23
